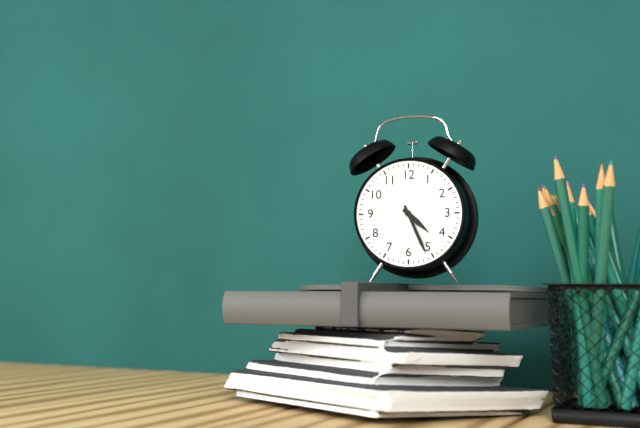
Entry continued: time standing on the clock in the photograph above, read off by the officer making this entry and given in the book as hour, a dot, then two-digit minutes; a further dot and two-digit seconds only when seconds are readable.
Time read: 4.26
